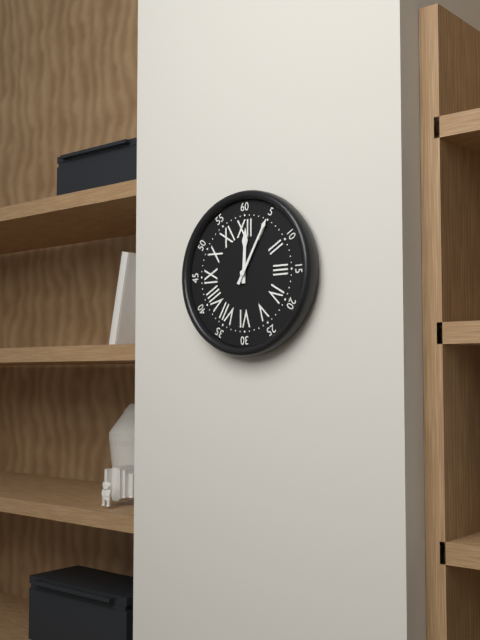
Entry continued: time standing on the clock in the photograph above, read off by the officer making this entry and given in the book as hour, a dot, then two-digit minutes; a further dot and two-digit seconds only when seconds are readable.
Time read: 12.05
